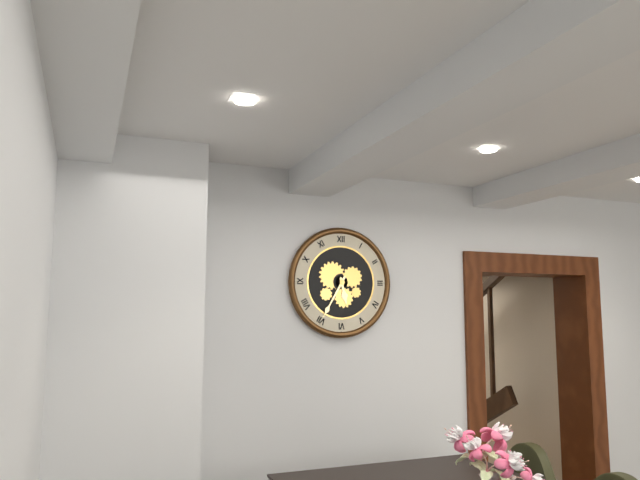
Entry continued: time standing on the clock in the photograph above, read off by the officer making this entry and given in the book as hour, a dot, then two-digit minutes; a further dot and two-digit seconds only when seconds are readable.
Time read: 5.35
